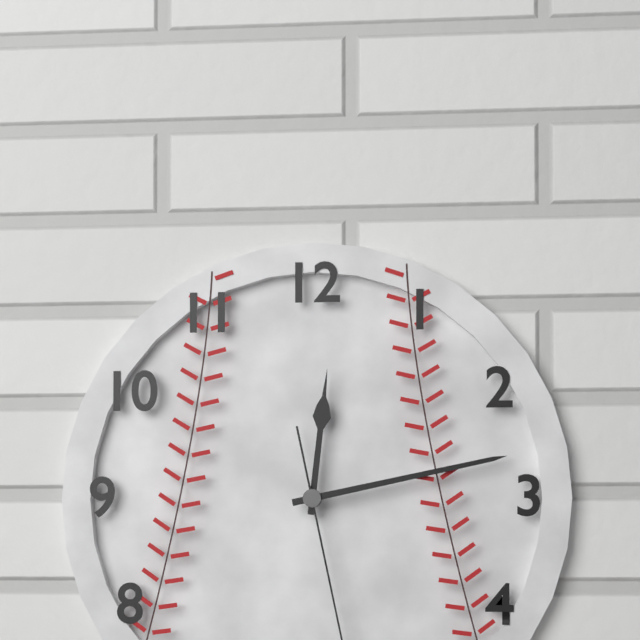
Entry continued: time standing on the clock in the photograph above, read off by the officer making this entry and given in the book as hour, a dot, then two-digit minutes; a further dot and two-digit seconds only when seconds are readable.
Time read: 12.13
